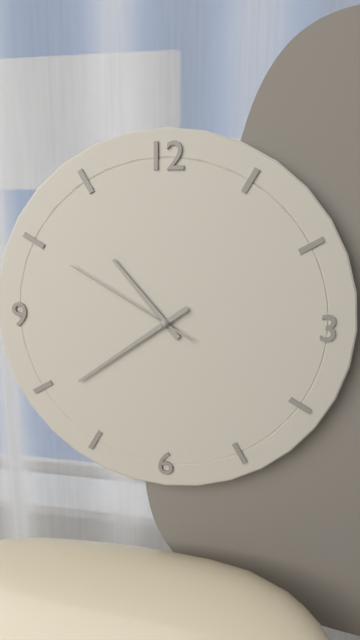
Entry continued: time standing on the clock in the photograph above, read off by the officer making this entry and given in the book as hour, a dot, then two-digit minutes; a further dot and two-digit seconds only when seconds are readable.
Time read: 10.39.50
